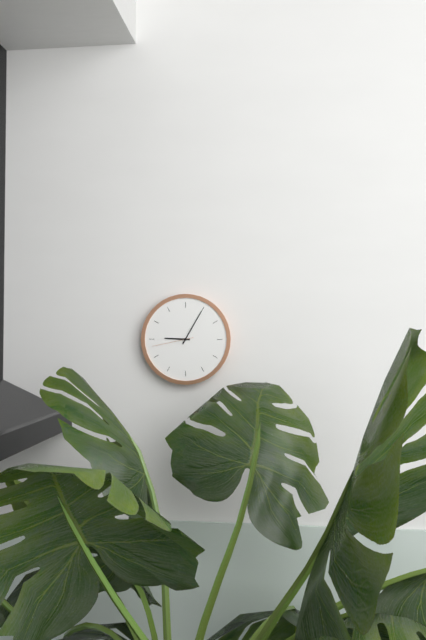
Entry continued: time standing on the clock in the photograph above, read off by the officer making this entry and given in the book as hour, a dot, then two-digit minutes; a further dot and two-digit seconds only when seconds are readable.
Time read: 9.05
